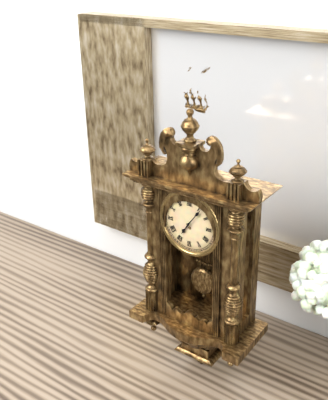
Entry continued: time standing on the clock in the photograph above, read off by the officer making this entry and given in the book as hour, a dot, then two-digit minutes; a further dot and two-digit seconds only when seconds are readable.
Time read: 7.06
